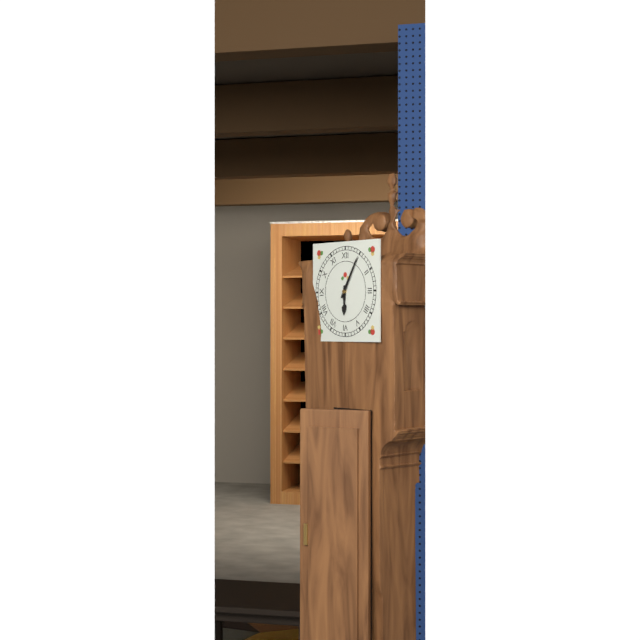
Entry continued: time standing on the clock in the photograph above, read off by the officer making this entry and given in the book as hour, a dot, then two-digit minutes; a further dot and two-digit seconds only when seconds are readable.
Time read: 6.05
